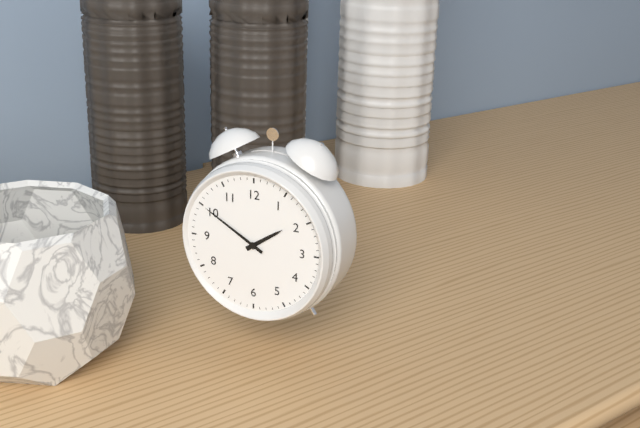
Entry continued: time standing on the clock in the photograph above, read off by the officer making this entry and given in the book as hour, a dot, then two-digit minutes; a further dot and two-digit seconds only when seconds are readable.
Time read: 1.50
